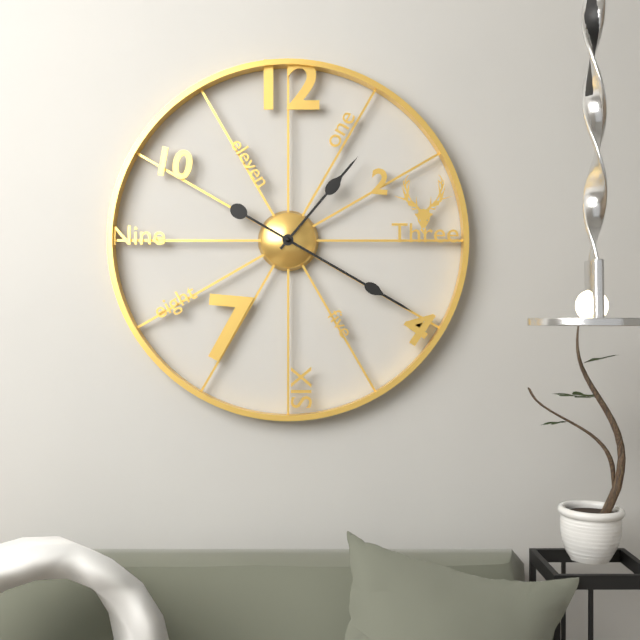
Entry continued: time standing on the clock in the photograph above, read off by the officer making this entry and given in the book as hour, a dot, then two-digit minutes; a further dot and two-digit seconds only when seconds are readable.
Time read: 1.20
